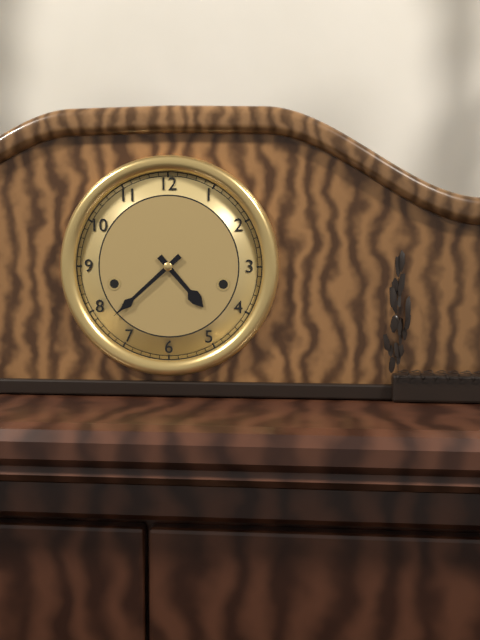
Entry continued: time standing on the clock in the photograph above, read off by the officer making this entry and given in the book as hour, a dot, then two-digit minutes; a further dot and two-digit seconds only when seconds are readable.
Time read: 4.38
